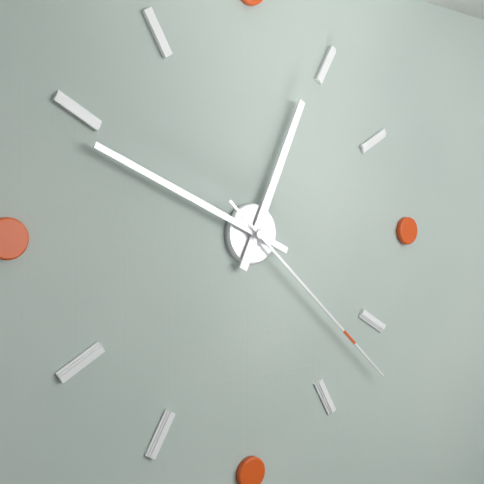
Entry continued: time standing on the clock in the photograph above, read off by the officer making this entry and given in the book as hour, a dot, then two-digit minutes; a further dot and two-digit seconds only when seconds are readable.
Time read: 12.49.22
